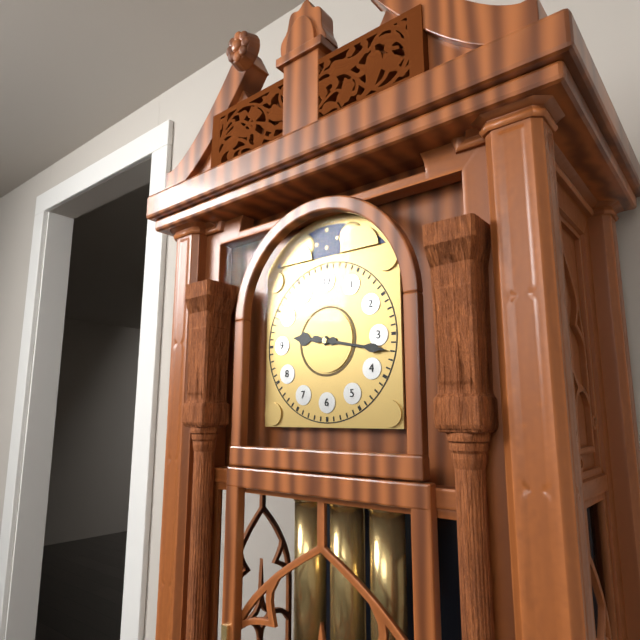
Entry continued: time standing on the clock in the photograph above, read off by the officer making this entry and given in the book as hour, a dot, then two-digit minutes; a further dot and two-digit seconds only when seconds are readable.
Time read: 9.17
